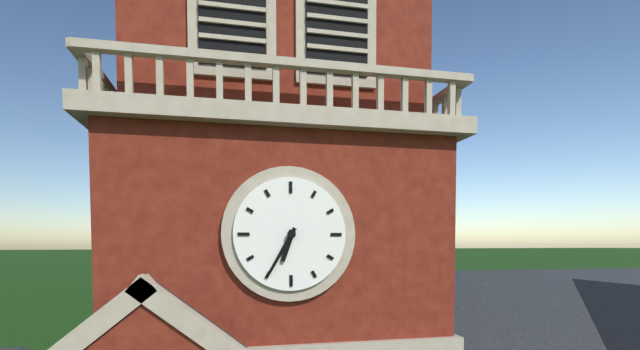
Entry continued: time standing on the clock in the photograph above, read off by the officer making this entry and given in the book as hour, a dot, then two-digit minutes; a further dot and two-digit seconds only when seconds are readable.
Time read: 6.35
